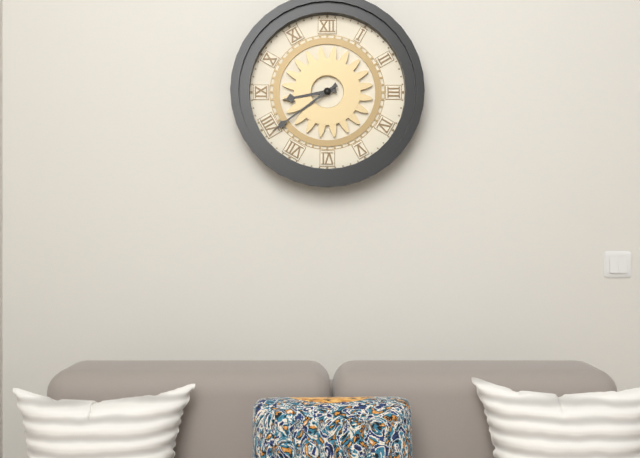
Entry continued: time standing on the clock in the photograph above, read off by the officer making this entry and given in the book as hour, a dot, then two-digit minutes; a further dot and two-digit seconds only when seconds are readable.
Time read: 8.39
